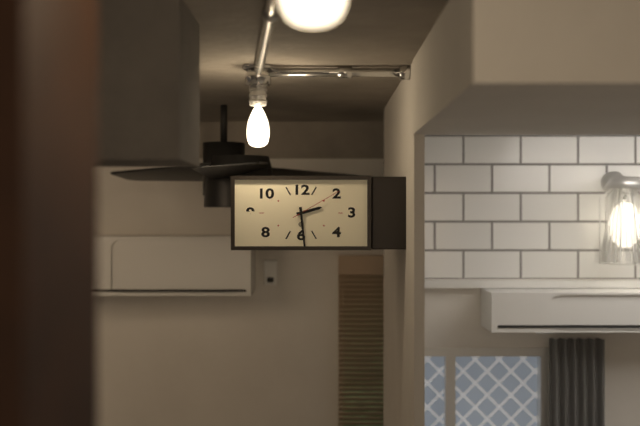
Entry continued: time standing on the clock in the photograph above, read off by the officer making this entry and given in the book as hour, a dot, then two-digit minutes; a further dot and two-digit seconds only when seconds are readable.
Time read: 2.29.10
